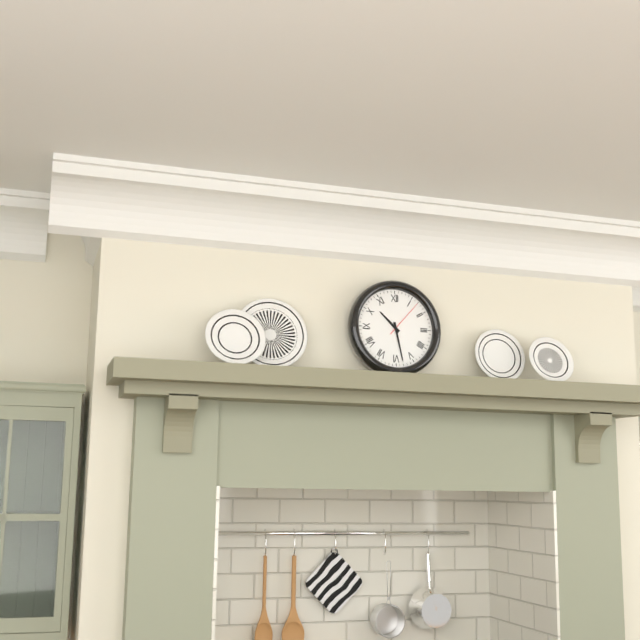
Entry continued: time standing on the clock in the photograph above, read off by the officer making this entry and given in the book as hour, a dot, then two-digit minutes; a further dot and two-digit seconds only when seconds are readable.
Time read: 10.28
